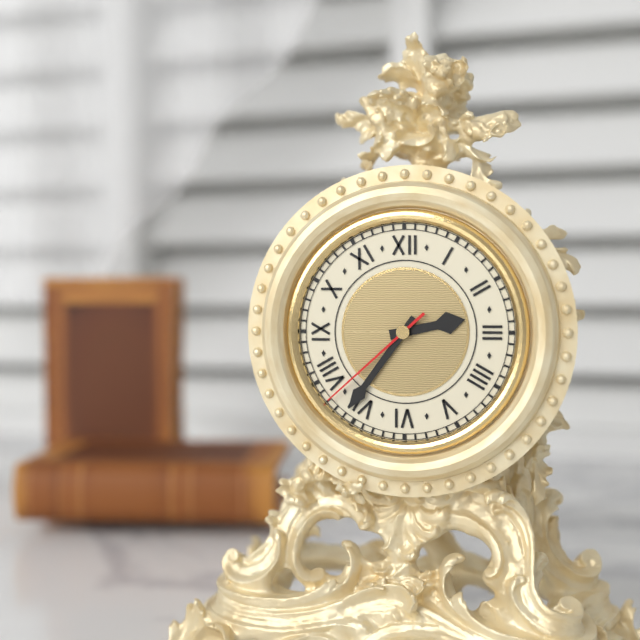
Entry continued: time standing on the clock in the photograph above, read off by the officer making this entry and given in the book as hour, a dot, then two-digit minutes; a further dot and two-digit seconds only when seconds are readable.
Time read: 2.36.38
